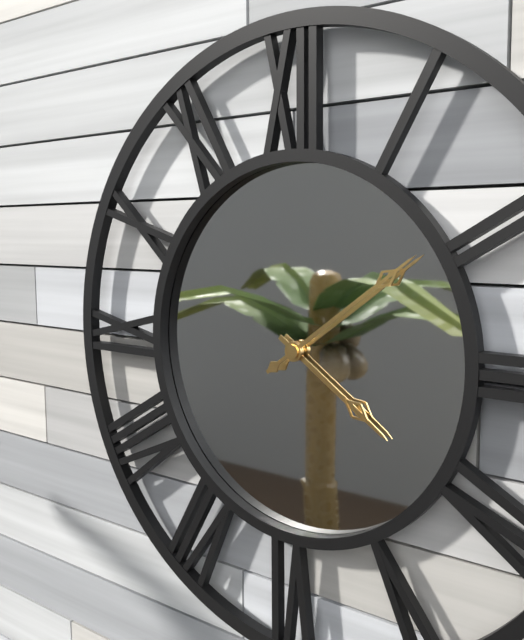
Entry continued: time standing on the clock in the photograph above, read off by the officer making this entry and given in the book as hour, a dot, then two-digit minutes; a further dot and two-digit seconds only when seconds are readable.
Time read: 4.09
